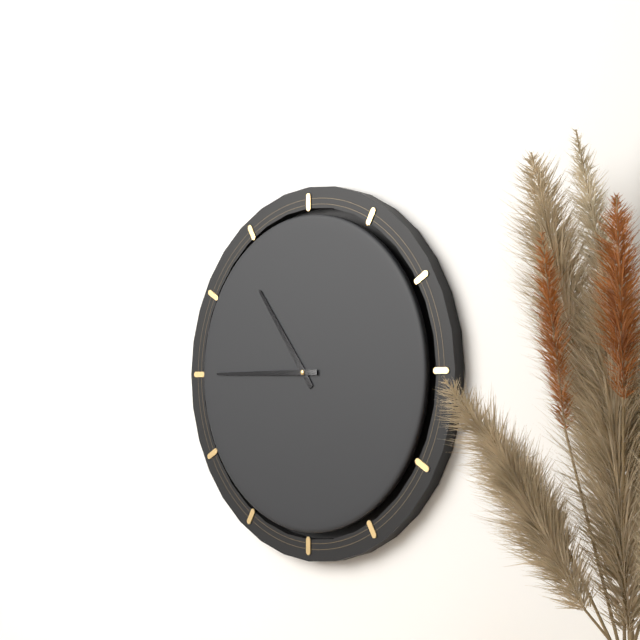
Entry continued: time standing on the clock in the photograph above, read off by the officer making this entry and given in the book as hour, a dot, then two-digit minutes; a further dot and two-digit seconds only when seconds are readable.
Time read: 10.45
